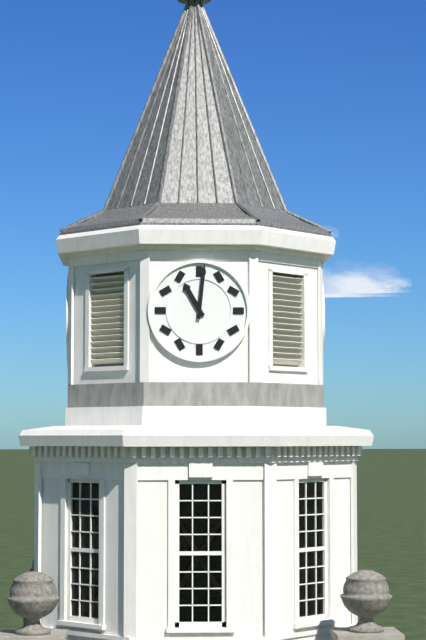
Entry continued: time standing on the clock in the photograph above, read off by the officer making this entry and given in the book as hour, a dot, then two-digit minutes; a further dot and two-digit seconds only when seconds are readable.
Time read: 11.01
